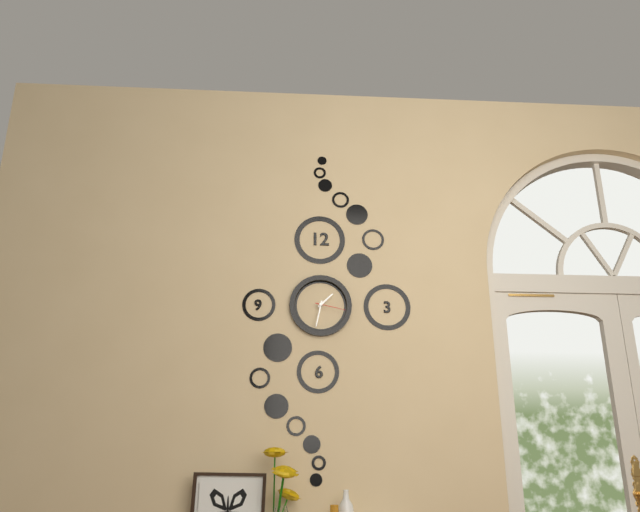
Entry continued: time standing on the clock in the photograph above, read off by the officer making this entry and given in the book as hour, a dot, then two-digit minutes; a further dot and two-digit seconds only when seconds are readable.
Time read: 1.32
